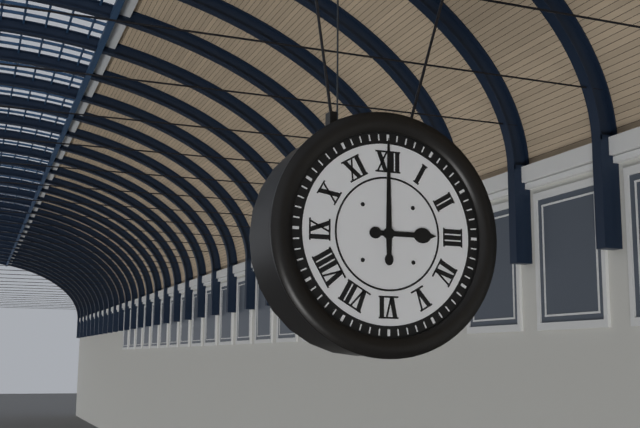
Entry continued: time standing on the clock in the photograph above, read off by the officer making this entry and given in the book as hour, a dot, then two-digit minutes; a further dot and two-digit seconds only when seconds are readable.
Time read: 3.00
